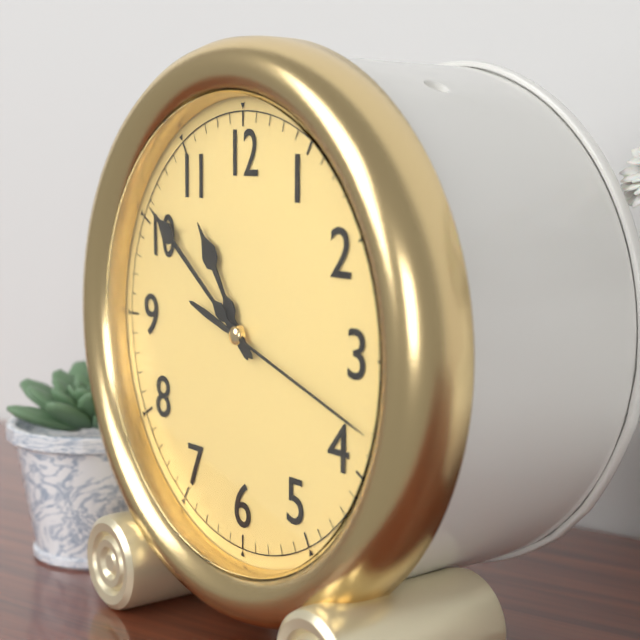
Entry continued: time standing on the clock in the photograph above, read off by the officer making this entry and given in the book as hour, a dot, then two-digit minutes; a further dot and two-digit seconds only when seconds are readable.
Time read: 10.51.18
